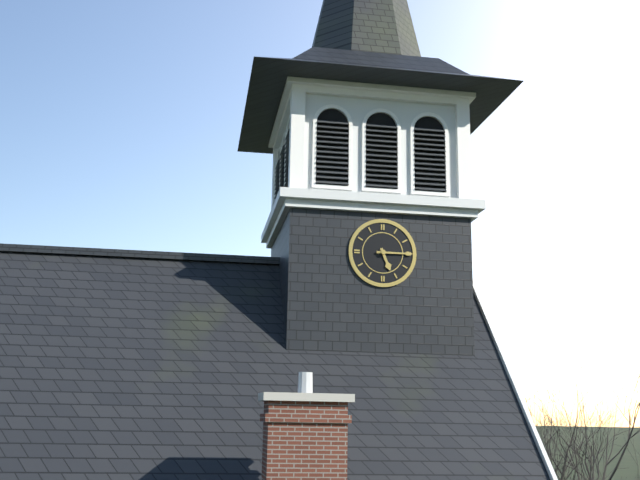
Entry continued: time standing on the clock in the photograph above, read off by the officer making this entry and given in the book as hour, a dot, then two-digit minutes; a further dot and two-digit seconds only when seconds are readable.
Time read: 5.15
